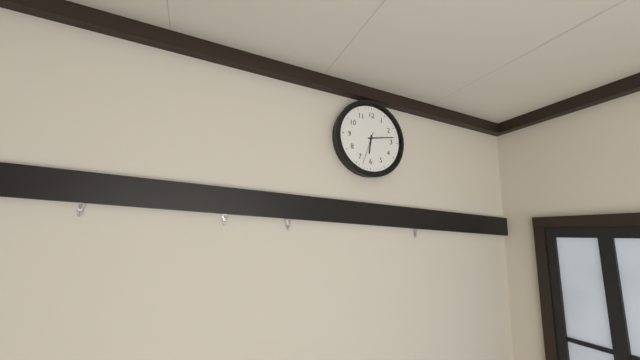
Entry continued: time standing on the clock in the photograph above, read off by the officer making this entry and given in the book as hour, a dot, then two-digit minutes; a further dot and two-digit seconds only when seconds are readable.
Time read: 6.13
